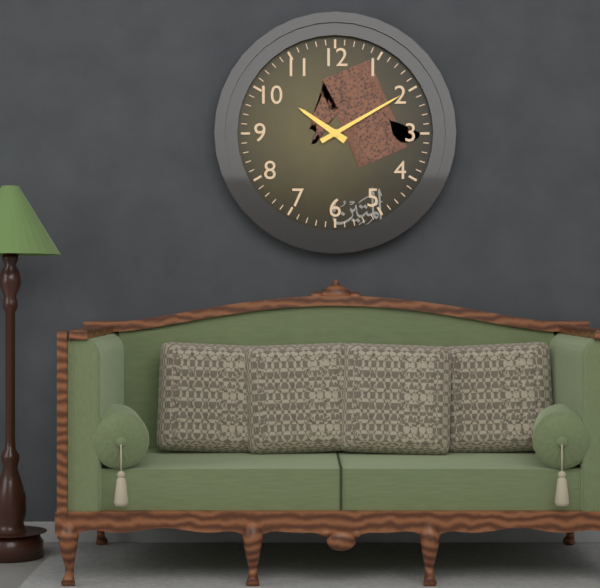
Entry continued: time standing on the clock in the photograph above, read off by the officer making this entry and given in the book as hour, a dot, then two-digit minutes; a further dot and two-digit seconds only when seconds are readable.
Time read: 10.10
